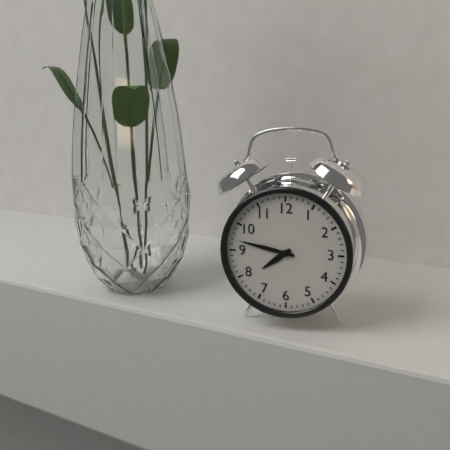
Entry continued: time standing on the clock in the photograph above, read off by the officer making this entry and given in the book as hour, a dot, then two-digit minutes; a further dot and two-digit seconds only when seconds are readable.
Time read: 7.47
